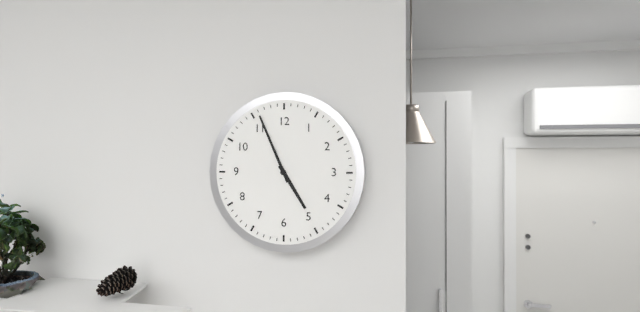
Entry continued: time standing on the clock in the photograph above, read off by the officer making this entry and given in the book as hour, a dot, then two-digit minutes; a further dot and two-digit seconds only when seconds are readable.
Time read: 4.56
